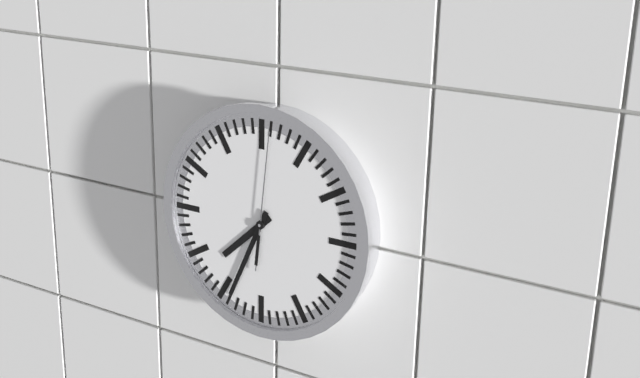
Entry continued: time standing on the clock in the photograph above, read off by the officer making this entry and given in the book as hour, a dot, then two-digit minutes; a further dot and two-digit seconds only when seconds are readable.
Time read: 7.34.01
